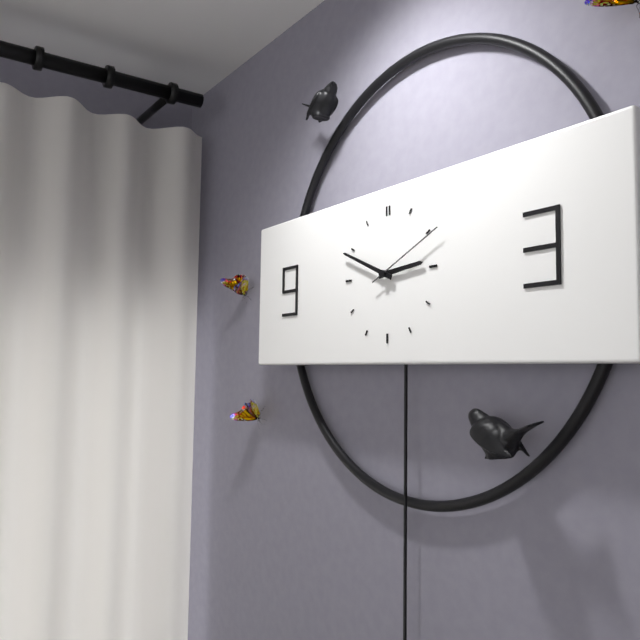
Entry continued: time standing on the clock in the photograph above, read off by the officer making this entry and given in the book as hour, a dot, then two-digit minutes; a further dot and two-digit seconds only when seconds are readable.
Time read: 2.49.11
